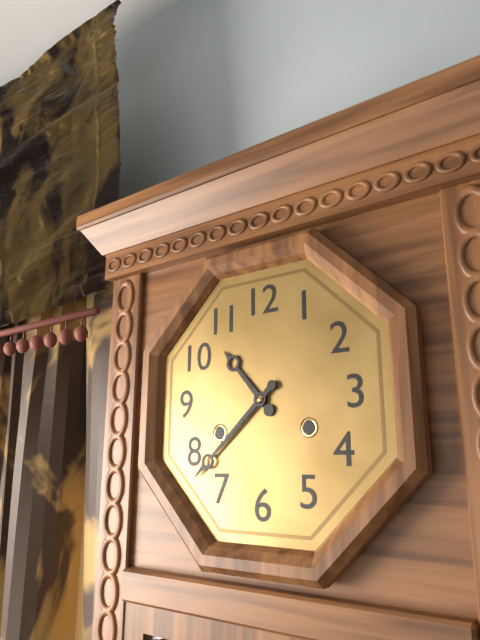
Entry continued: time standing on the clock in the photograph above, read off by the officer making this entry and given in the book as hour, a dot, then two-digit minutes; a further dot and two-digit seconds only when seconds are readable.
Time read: 10.38
